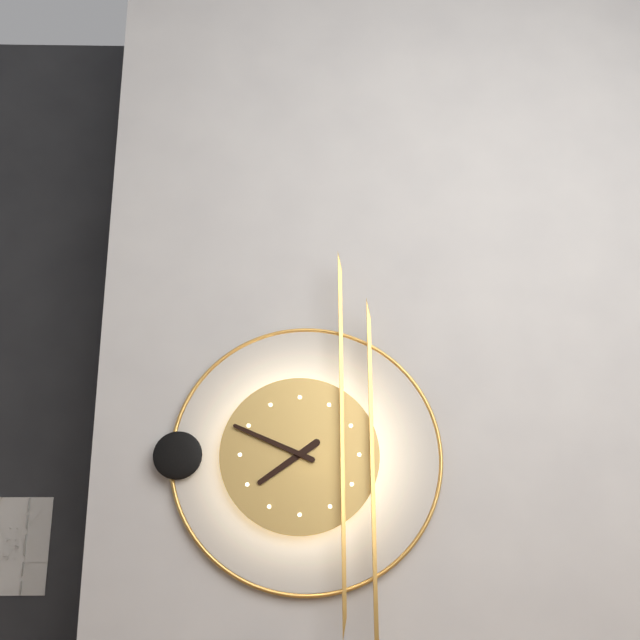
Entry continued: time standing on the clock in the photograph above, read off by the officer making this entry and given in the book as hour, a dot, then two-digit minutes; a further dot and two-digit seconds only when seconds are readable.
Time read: 7.49
